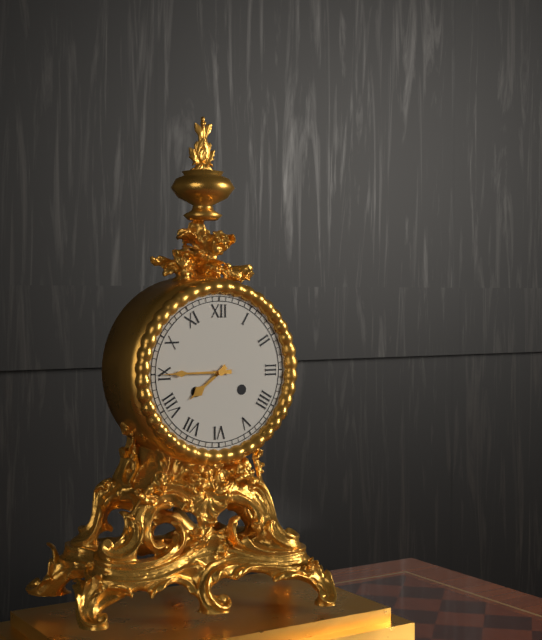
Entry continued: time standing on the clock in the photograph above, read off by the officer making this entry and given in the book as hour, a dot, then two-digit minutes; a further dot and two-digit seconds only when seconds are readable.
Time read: 7.45
